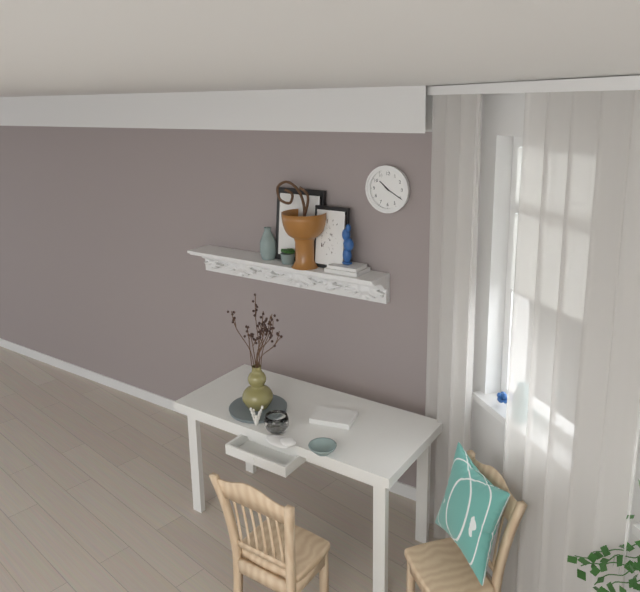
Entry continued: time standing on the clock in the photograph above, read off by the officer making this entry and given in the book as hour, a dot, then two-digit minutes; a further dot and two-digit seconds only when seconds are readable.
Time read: 10.20
